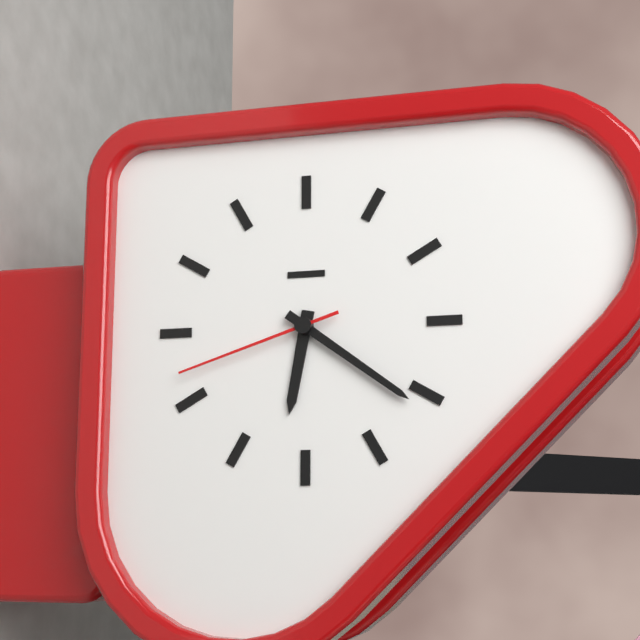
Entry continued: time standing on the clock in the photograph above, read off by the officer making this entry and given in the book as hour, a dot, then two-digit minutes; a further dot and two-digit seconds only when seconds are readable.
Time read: 6.21.42
